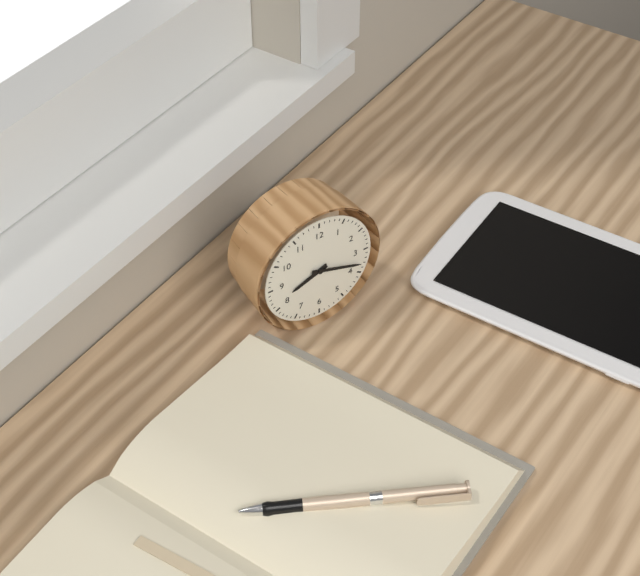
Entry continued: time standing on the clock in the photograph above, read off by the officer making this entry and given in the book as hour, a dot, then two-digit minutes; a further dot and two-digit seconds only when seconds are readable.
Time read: 8.18
